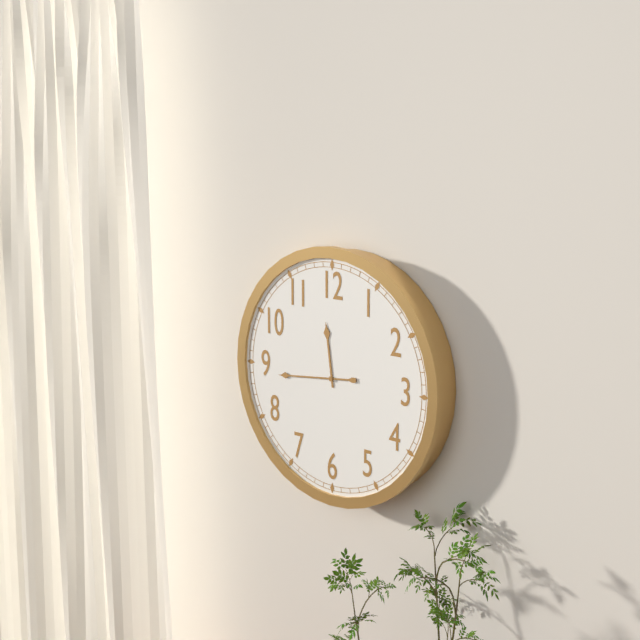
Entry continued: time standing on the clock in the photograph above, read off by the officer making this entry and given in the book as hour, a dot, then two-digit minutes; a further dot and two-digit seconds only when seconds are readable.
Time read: 11.44
